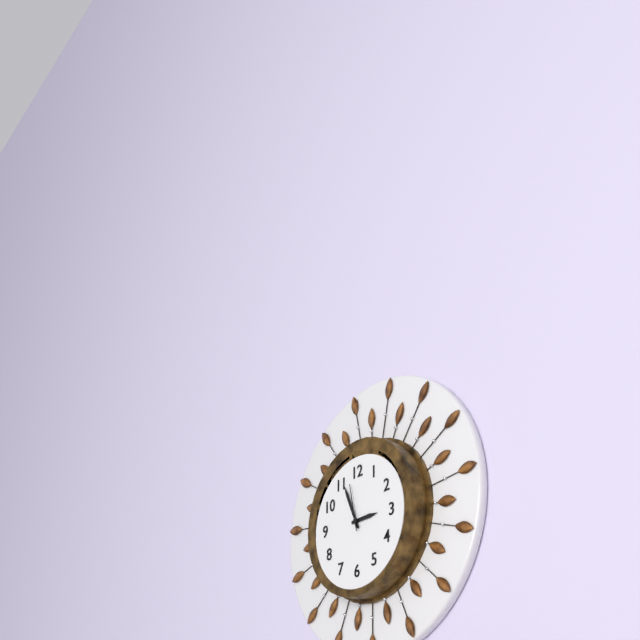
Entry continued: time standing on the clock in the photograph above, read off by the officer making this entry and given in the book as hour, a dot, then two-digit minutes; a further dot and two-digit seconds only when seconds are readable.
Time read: 2.56
